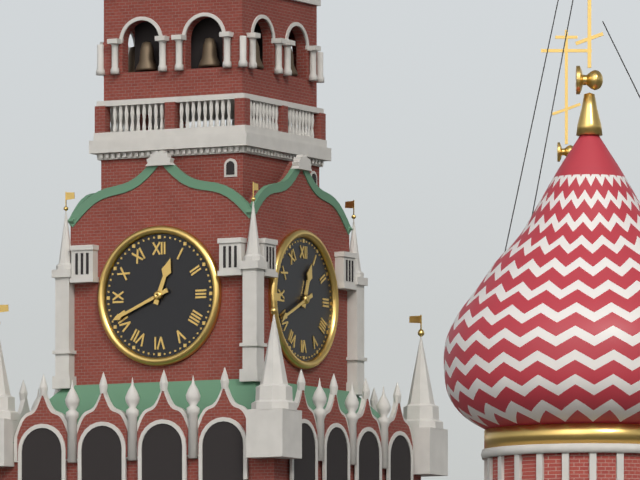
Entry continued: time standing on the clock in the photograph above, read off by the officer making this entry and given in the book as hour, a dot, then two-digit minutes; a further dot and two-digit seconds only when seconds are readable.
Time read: 12.41
